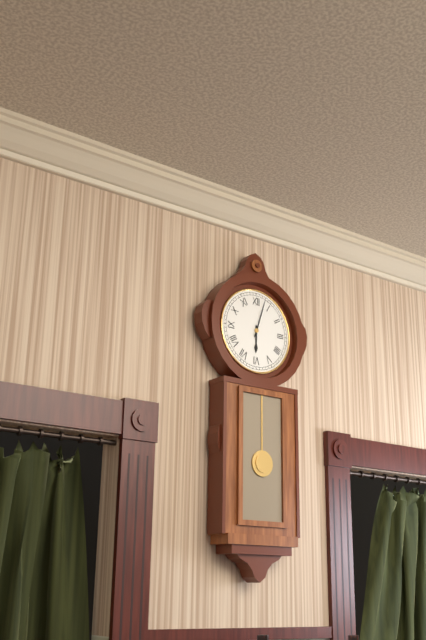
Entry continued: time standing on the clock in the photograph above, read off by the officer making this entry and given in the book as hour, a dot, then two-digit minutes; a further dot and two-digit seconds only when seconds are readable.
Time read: 6.03
